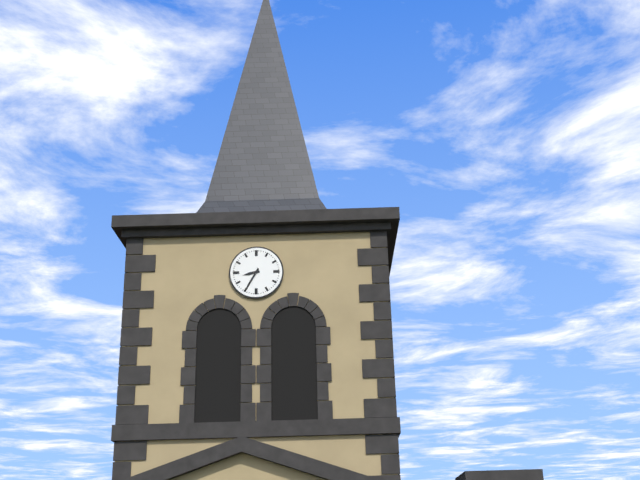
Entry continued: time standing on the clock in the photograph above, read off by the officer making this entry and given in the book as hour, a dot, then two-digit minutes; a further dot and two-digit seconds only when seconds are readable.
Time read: 8.35
